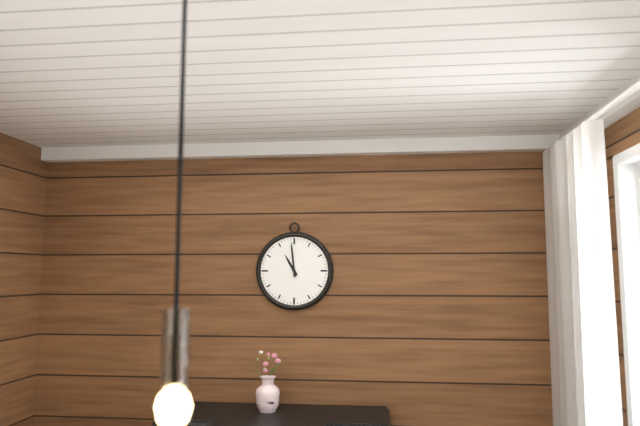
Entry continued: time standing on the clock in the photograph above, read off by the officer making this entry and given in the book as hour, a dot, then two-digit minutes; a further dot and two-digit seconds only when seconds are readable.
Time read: 10.59
